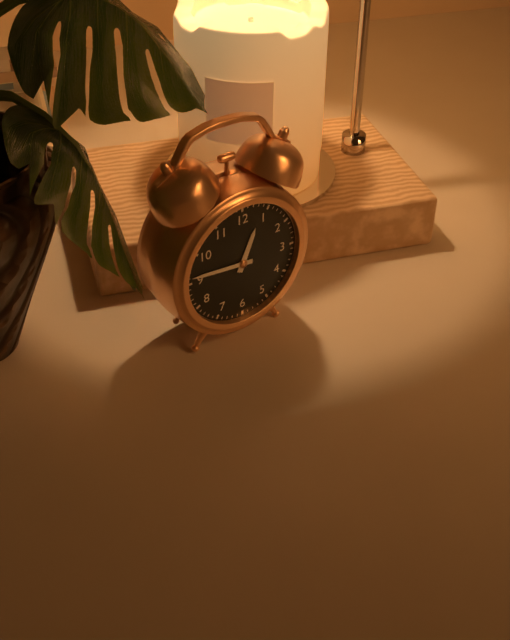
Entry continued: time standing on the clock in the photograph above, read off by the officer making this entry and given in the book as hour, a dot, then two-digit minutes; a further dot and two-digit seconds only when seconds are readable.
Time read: 12.46
